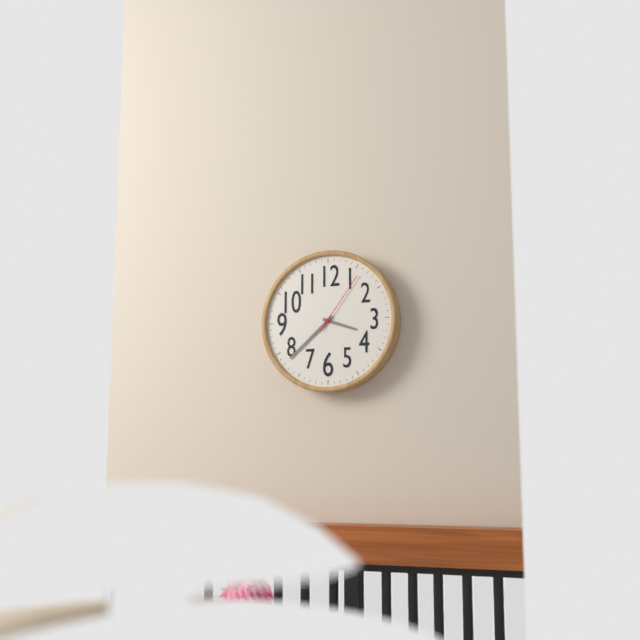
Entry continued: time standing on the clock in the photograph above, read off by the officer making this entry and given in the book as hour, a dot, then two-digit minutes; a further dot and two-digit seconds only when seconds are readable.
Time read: 3.38.06
